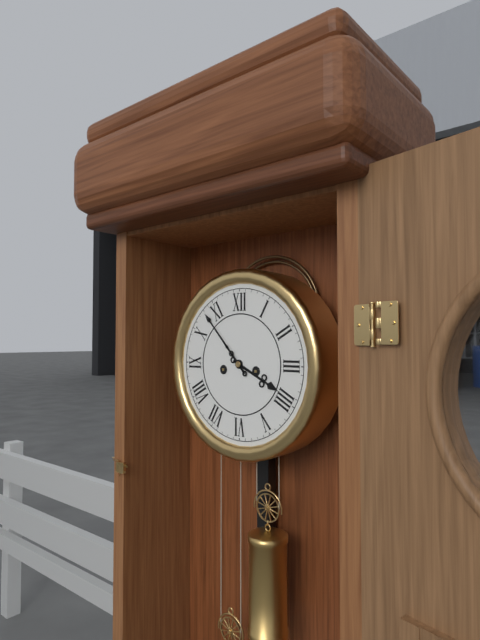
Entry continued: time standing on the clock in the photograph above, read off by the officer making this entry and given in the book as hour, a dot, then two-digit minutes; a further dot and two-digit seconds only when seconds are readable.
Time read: 3.53
